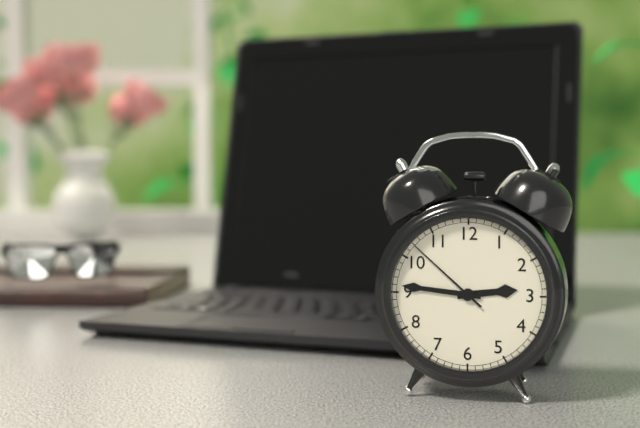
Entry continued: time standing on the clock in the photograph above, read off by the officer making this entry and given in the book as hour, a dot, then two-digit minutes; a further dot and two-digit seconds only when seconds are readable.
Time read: 2.46.52
